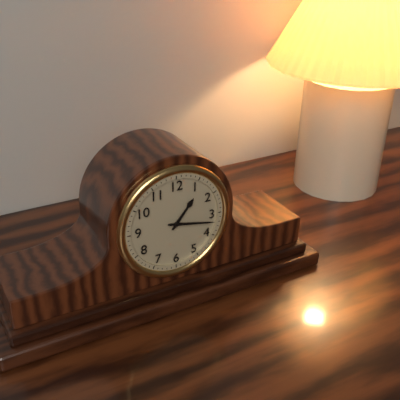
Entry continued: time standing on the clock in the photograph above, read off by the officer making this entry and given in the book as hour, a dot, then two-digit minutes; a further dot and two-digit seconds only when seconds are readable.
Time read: 1.17
